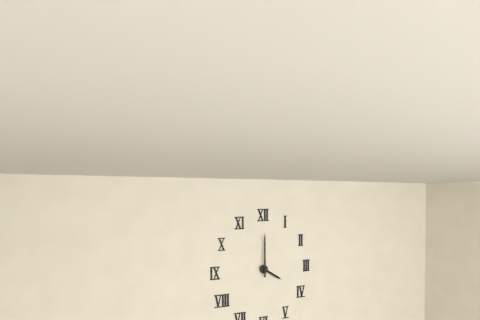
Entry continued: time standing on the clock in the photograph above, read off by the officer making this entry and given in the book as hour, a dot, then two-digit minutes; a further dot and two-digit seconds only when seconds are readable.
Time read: 4.00
